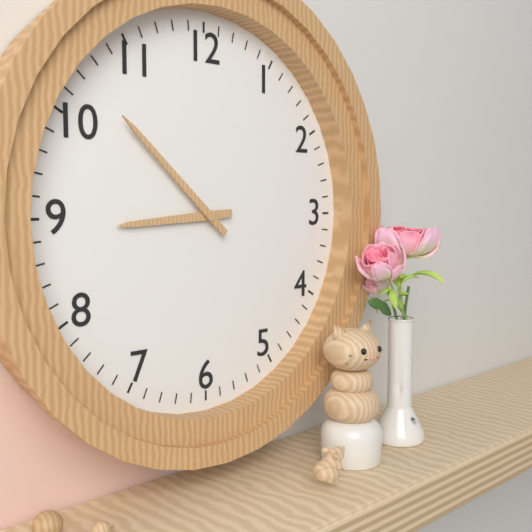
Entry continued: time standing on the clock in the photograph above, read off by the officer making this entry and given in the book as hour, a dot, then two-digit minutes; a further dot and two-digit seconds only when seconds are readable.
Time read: 8.52
